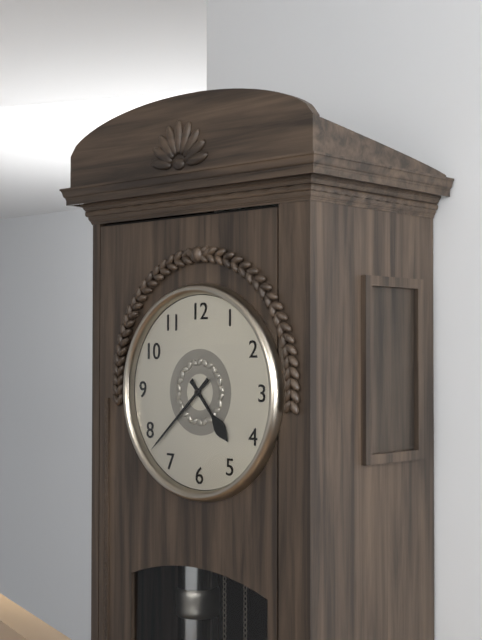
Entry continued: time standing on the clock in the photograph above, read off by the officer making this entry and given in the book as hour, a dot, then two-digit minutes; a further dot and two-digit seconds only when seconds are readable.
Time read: 4.38
